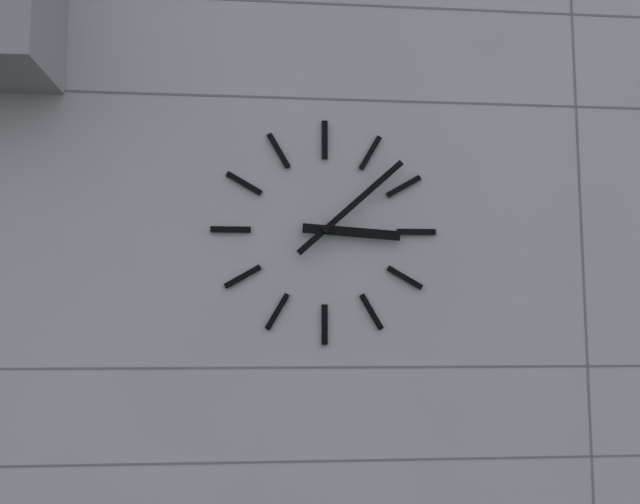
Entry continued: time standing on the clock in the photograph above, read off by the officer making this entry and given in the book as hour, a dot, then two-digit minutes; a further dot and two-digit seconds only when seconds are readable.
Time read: 3.08
